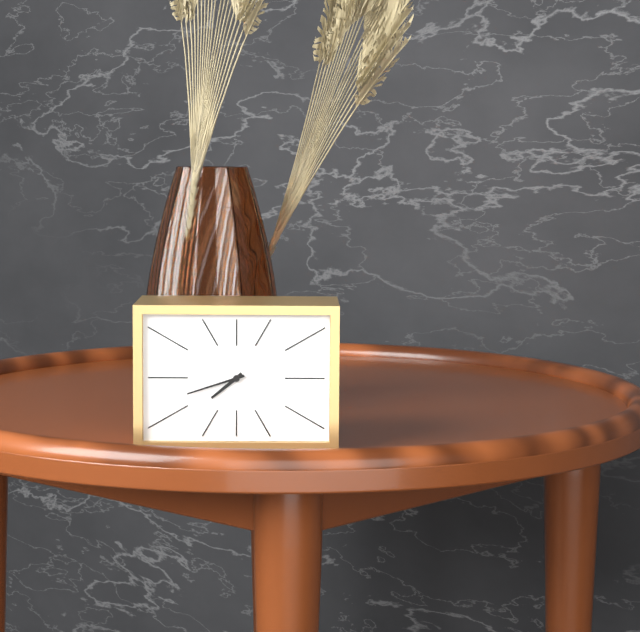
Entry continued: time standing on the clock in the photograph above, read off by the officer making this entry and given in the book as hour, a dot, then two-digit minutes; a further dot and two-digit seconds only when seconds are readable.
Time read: 7.42
